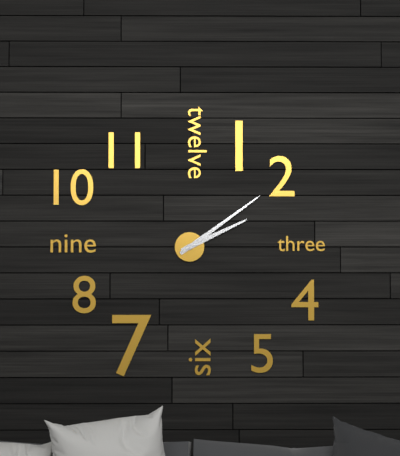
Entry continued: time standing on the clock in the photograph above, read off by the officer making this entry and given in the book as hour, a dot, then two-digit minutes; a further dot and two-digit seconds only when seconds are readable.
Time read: 2.09
